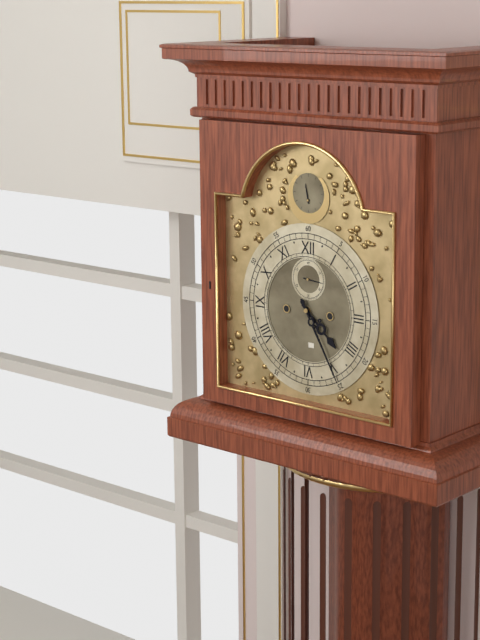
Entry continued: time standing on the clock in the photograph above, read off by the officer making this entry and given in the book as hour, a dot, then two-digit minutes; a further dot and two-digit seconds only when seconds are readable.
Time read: 4.25
